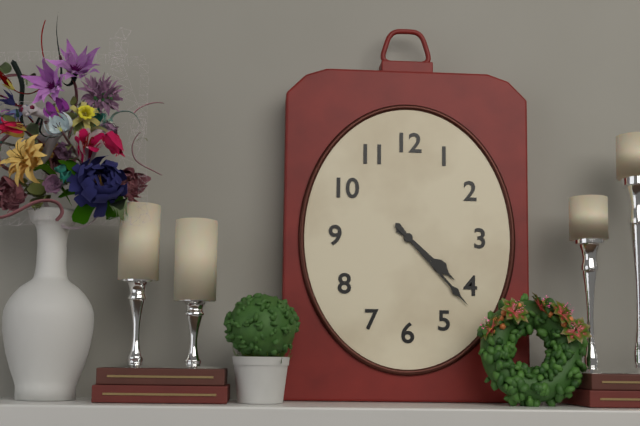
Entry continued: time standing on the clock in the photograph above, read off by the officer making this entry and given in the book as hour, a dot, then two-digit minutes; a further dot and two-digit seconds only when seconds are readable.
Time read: 4.23
